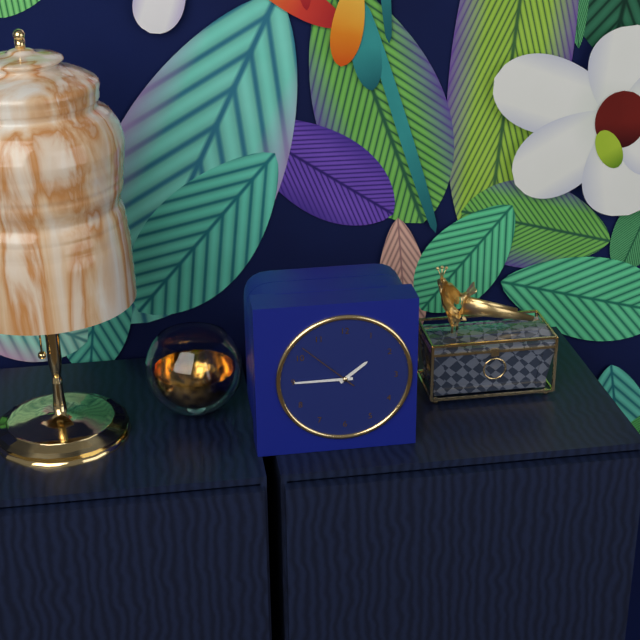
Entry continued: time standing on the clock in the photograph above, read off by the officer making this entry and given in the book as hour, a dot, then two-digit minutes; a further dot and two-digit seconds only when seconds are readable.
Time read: 1.45.52
